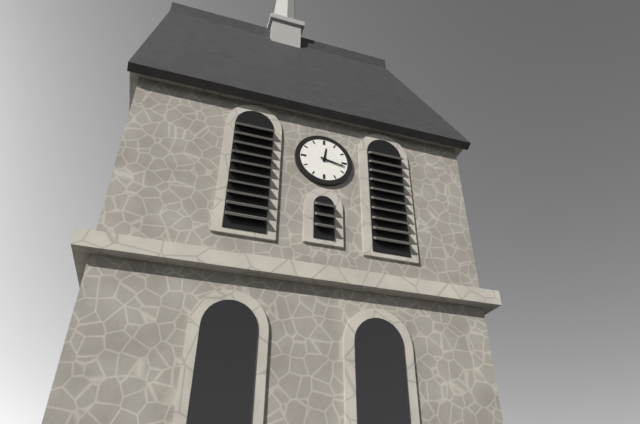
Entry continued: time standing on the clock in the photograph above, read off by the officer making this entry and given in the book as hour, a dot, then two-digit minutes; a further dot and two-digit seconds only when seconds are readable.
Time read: 12.17
